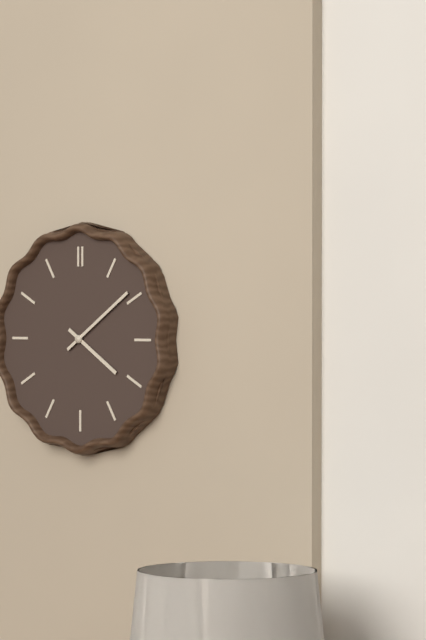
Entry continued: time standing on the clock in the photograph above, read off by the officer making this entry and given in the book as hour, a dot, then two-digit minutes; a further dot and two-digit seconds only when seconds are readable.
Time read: 4.09
